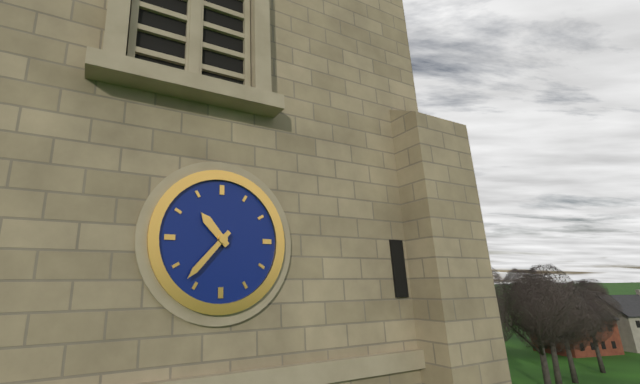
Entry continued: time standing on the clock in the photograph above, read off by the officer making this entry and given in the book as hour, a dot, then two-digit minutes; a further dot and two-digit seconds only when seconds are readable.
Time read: 10.37
